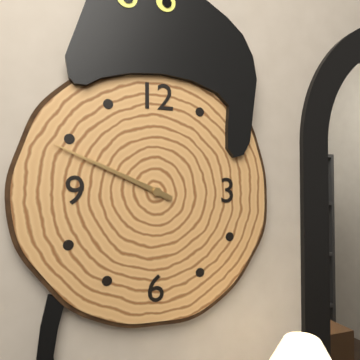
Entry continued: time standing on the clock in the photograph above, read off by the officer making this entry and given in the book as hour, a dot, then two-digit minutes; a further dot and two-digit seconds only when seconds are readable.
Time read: 9.49
